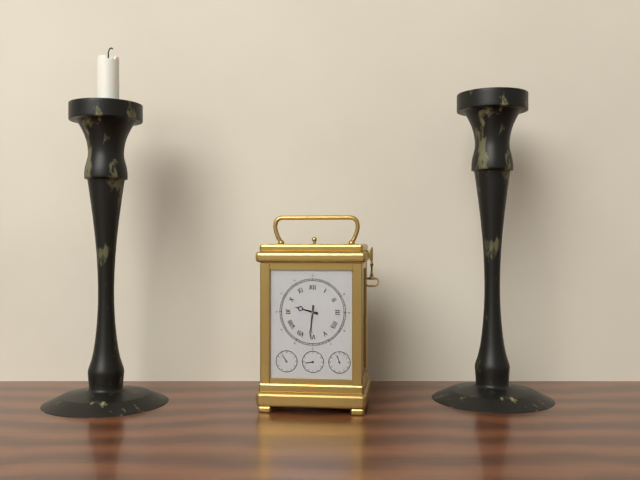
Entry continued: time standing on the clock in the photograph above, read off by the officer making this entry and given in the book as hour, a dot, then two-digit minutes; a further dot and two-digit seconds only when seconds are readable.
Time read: 9.31
